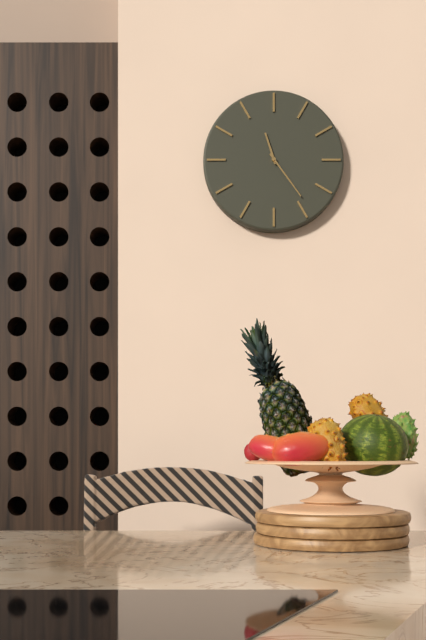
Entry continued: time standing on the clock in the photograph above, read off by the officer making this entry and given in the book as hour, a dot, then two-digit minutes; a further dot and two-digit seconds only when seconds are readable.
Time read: 11.24
